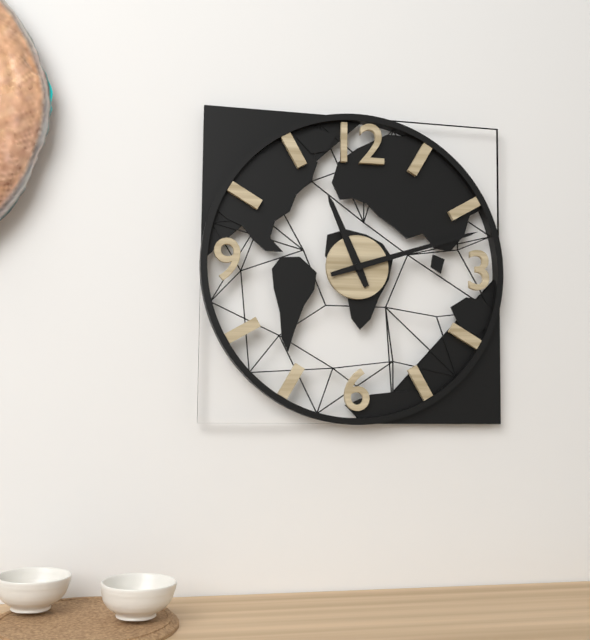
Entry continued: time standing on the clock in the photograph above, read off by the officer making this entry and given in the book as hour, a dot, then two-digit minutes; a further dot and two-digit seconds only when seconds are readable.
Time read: 11.12
